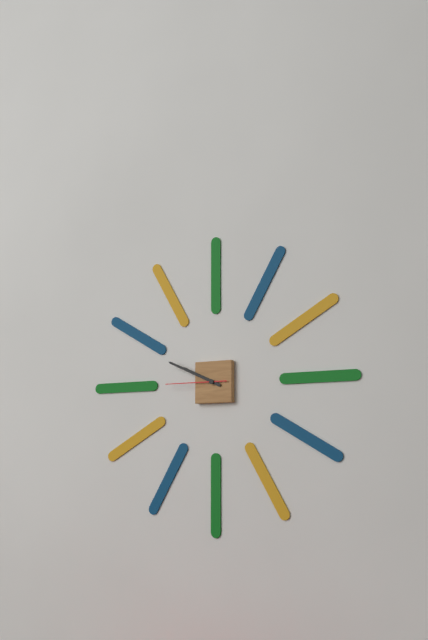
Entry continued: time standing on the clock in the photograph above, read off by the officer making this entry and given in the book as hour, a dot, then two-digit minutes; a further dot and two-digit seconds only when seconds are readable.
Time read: 9.49.45
